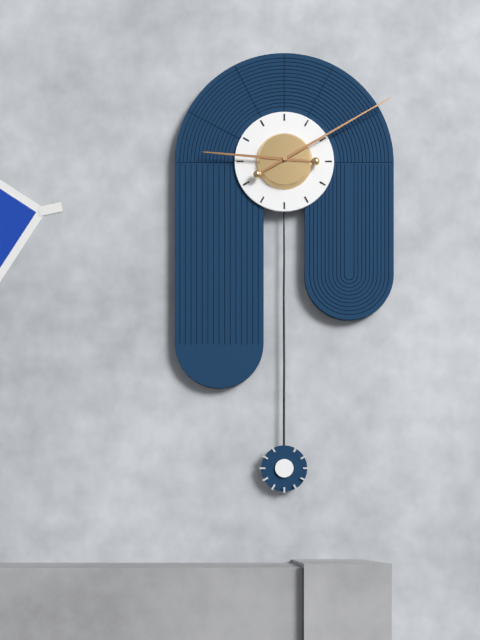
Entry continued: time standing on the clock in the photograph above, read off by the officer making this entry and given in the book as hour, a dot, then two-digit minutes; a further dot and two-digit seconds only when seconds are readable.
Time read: 9.10
